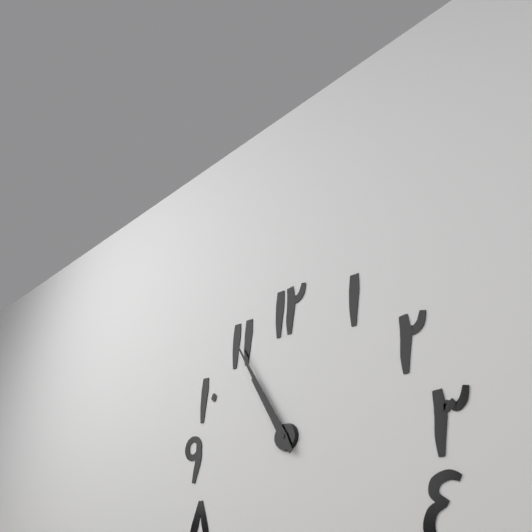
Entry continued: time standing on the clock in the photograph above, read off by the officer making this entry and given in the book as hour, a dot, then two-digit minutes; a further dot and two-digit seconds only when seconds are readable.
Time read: 10.55
